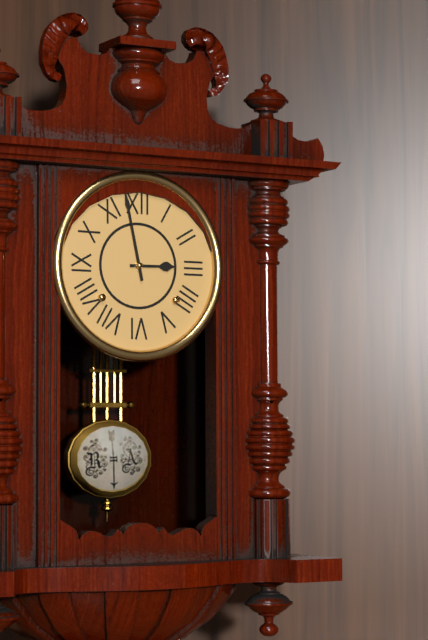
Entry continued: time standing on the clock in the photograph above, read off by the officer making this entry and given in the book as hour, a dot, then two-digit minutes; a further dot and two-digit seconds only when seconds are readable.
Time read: 2.58
